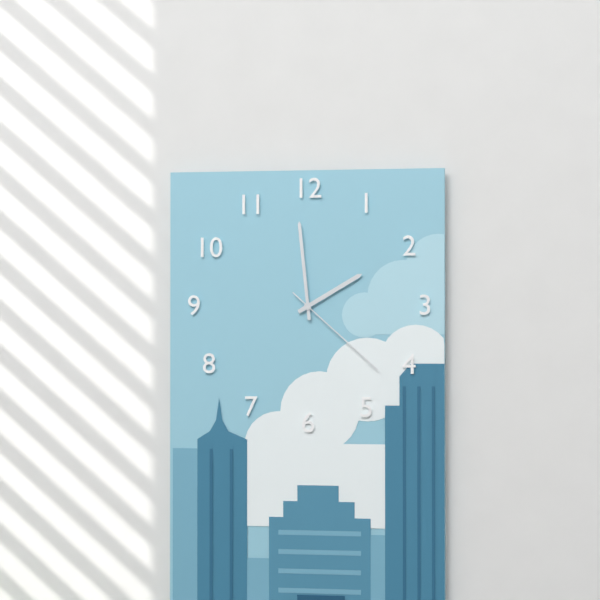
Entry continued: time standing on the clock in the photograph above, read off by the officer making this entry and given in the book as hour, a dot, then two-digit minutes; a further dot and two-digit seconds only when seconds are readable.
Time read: 1.59.22
